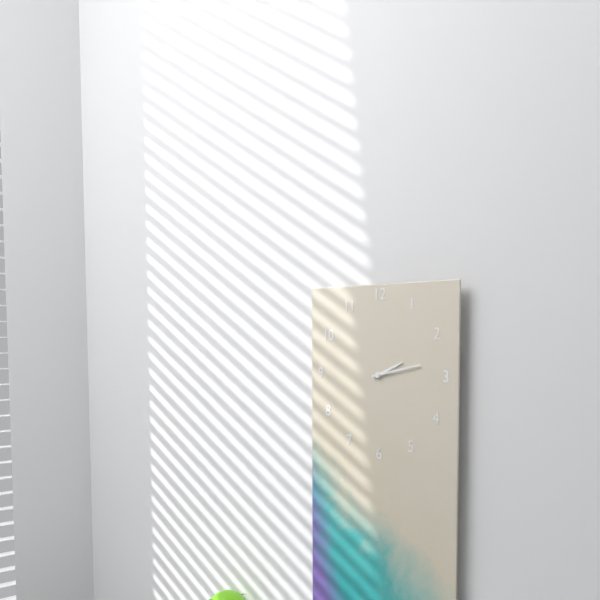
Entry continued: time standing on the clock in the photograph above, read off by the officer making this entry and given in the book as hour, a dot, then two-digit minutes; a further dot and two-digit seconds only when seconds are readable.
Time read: 2.13
